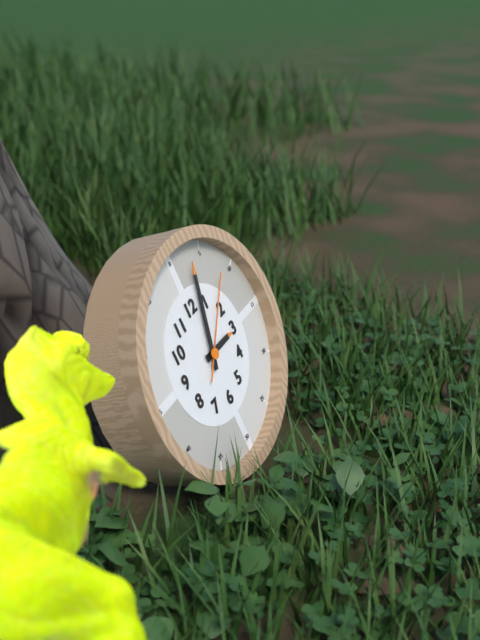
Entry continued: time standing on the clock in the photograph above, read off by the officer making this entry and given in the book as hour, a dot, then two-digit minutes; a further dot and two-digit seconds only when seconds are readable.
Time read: 3.03.08
